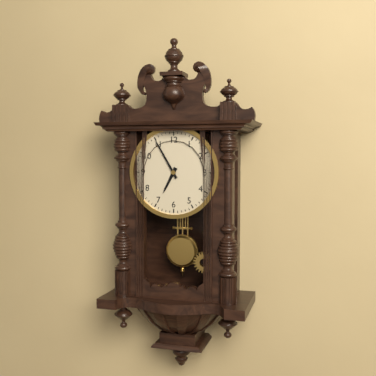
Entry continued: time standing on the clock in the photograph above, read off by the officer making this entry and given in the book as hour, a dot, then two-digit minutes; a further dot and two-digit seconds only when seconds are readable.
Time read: 6.55
